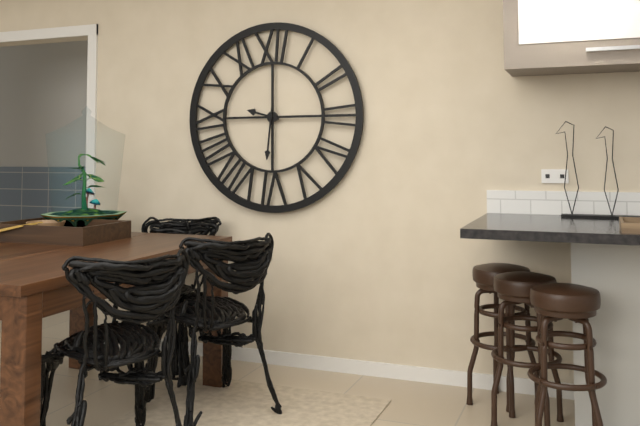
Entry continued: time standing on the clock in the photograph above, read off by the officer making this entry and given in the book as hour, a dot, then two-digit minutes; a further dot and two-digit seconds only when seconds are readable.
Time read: 9.31
